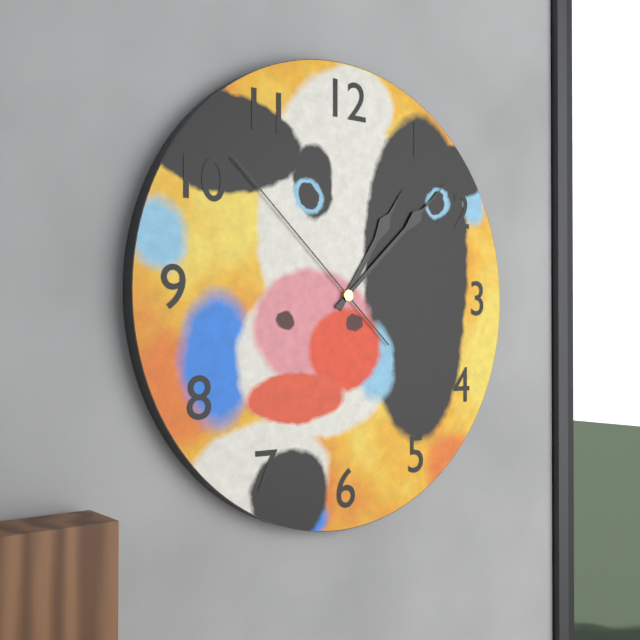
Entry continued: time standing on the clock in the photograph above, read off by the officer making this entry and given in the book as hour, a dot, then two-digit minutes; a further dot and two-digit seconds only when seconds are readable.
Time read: 1.08.52
